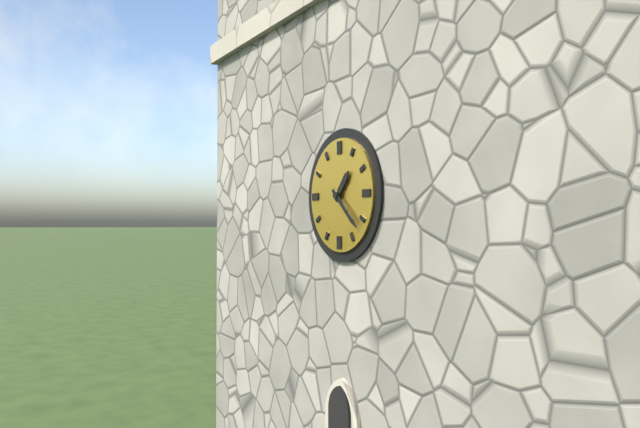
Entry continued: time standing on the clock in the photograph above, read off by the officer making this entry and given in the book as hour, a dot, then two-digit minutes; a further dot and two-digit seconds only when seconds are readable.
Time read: 1.22
